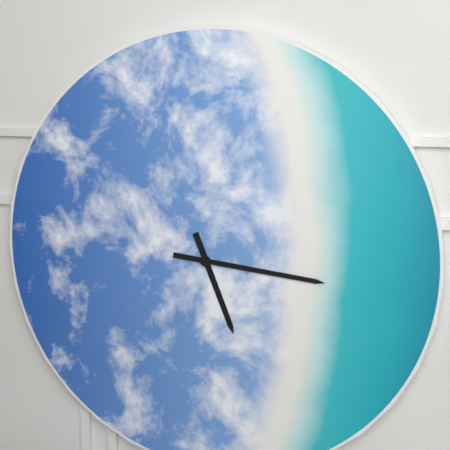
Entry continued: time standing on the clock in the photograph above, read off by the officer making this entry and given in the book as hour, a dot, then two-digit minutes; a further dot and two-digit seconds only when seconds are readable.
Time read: 5.16
